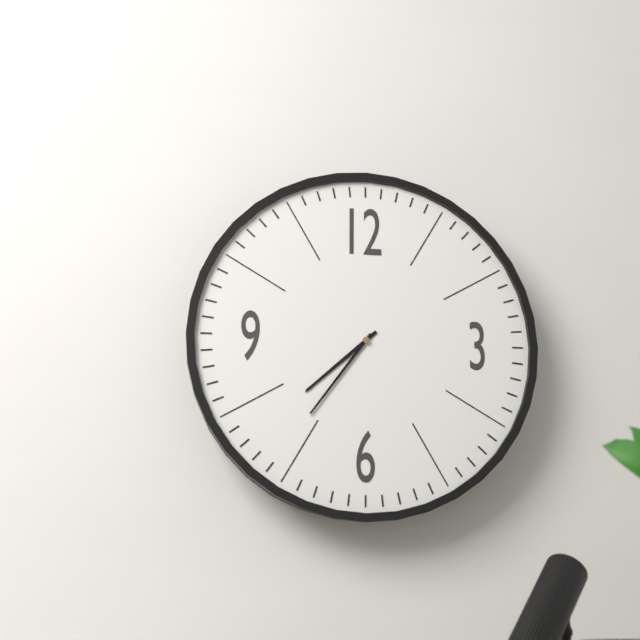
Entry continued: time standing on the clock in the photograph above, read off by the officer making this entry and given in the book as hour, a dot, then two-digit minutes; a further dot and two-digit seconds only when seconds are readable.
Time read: 7.36
